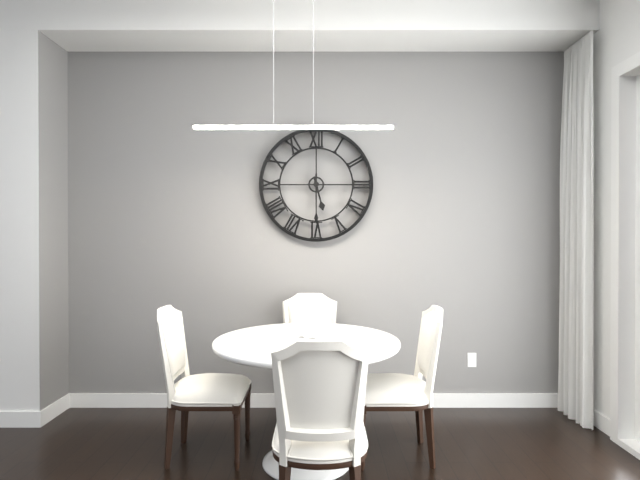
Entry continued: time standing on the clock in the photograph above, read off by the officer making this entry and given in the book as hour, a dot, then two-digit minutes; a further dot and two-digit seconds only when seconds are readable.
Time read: 5.30
